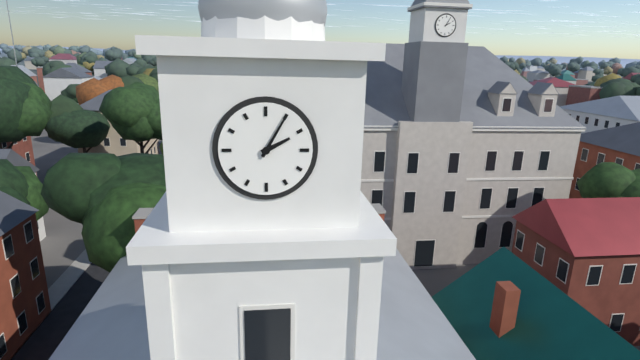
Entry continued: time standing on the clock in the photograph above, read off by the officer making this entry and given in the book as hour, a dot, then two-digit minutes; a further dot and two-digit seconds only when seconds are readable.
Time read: 2.05
